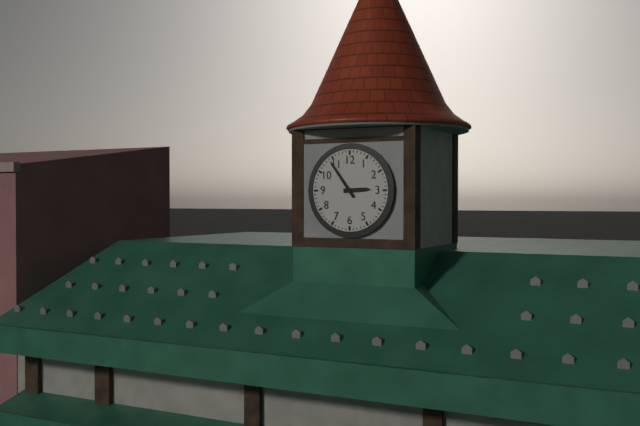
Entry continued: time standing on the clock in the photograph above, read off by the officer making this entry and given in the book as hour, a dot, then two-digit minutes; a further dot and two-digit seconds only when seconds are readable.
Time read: 2.54
